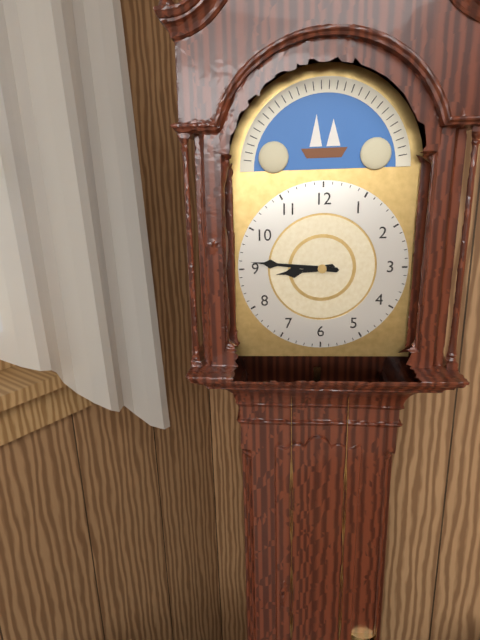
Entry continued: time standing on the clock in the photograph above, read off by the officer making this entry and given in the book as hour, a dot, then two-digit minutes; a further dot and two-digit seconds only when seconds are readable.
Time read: 8.46
